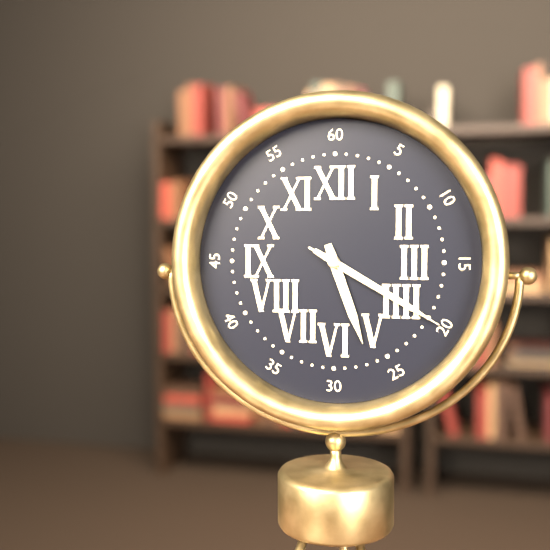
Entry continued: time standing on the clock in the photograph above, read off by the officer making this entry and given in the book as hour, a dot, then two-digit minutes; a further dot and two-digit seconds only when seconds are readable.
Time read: 5.20.20
